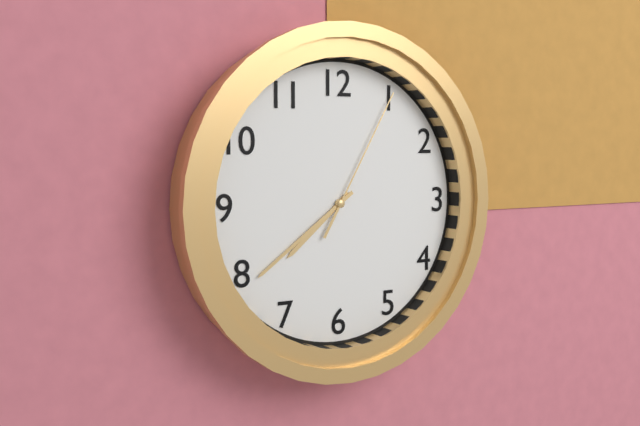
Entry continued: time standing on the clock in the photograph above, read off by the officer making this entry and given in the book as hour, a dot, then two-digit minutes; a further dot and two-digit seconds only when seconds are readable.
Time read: 7.39.05
